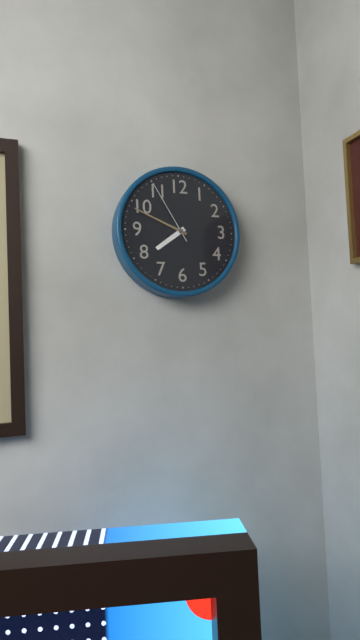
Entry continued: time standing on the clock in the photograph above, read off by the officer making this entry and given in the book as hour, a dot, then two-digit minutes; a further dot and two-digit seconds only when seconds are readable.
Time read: 7.49.55
